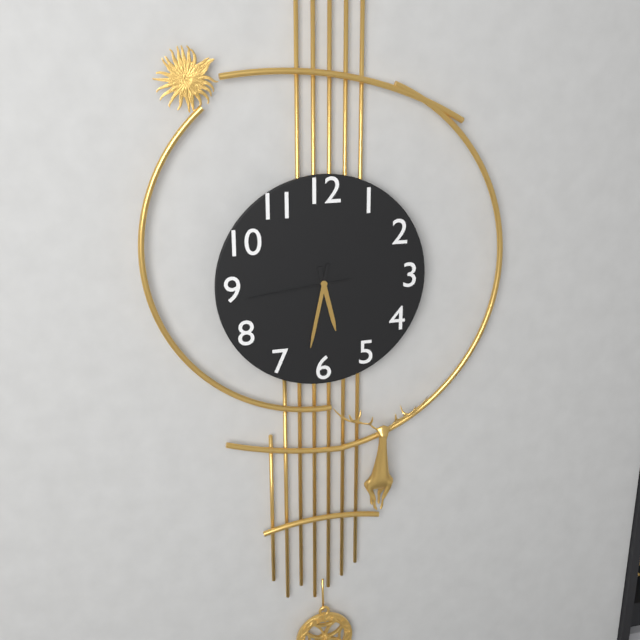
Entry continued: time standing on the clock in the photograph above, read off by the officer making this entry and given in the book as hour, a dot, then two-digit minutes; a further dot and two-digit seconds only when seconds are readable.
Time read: 5.32.44
